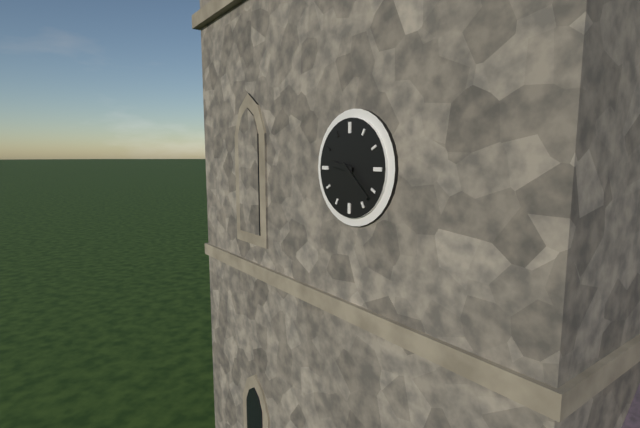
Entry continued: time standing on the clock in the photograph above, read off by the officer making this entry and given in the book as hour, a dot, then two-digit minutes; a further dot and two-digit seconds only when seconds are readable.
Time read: 9.22
